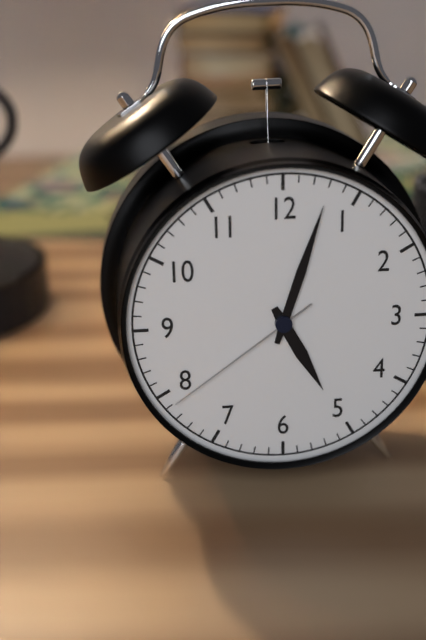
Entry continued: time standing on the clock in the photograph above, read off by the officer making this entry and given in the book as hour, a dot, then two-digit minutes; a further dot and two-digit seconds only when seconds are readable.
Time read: 5.03.39
